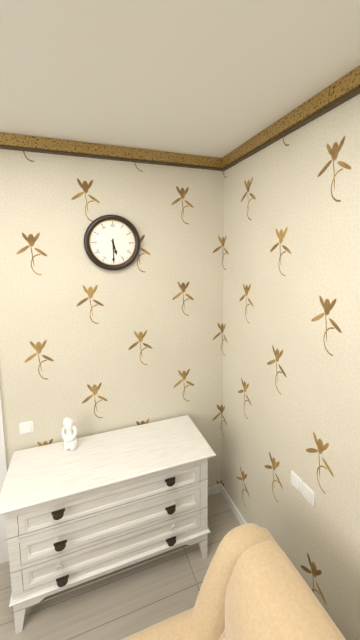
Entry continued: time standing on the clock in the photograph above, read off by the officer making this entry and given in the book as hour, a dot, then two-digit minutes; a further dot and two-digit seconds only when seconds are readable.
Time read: 5.30
